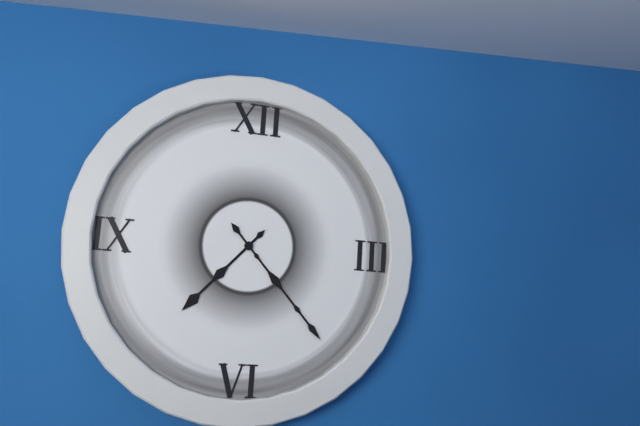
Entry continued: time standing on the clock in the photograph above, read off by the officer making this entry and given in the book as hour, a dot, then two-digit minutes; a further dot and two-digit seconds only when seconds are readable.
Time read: 7.23
